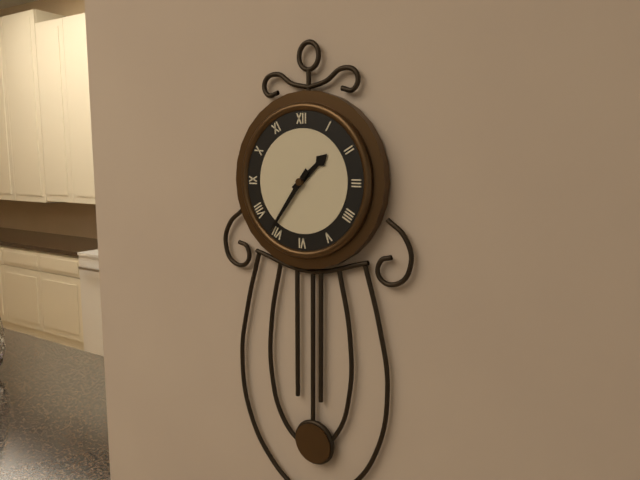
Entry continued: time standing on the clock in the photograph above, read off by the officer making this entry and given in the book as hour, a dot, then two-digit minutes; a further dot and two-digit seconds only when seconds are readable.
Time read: 1.36
